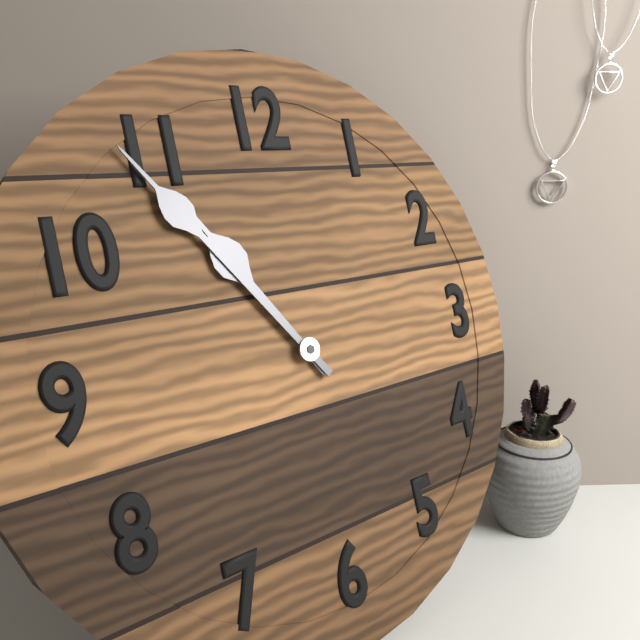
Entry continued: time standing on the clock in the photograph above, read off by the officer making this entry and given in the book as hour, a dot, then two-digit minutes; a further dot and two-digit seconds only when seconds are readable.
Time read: 10.54
